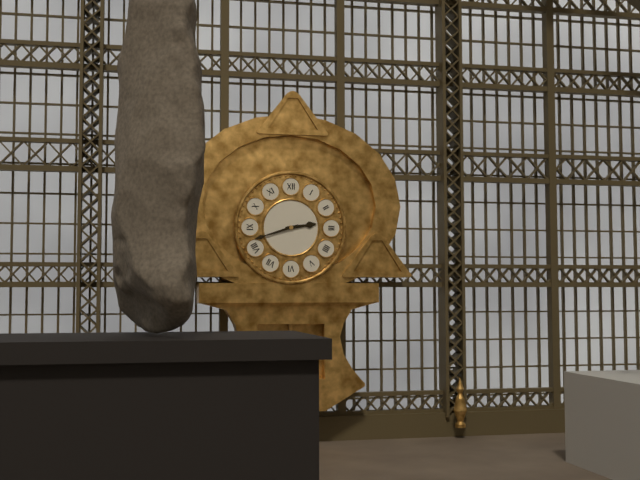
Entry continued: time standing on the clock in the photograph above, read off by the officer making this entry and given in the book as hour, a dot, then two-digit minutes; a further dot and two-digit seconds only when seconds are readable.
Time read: 2.42
